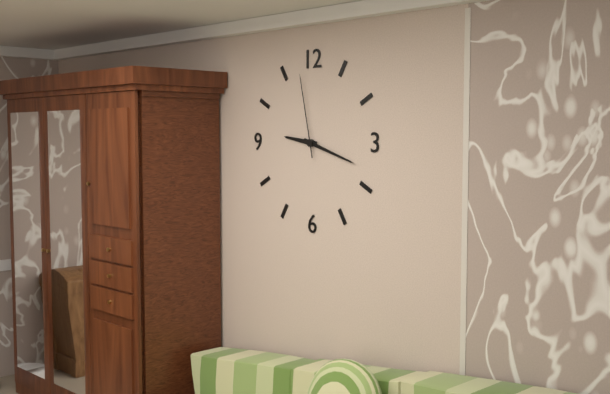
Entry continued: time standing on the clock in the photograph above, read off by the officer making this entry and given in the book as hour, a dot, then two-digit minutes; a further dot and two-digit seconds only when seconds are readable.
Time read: 9.18.58
